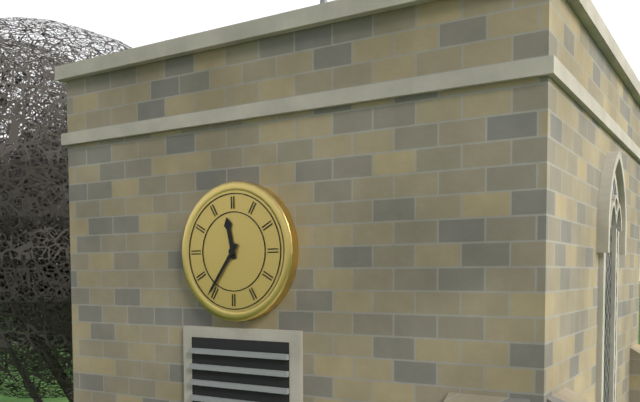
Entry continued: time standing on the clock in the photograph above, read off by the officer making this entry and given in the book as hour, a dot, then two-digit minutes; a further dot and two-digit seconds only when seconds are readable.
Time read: 11.36
